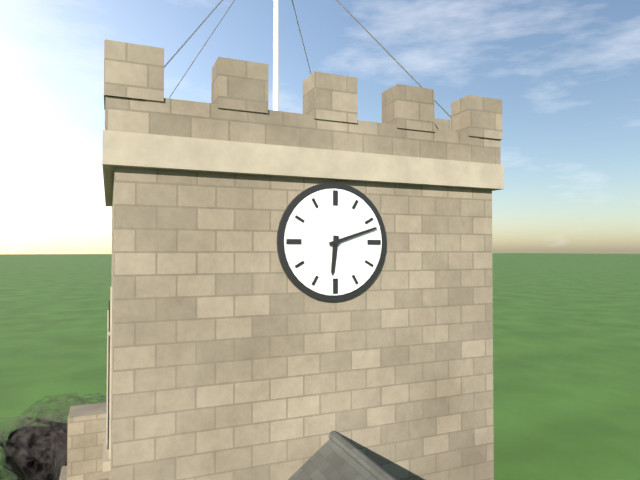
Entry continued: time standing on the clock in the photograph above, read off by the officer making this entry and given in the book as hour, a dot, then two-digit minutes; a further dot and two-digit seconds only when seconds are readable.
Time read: 6.12
